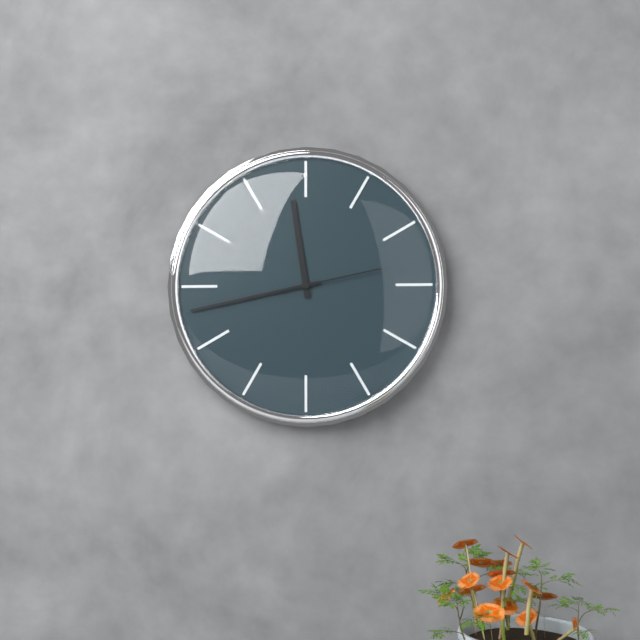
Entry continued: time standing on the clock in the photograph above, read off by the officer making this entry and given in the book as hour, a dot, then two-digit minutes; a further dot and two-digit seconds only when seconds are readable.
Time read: 11.43.13
